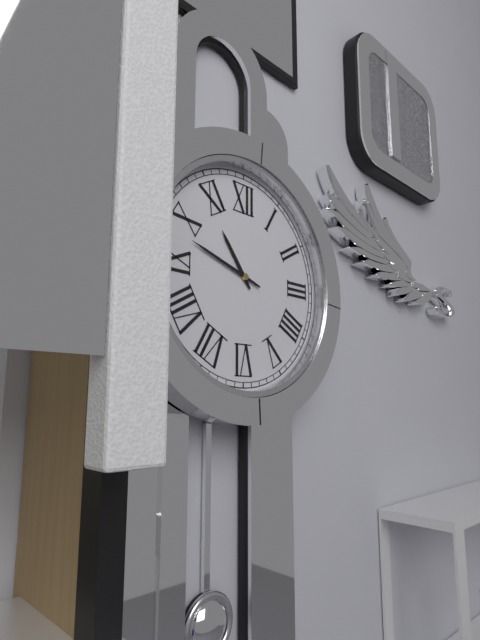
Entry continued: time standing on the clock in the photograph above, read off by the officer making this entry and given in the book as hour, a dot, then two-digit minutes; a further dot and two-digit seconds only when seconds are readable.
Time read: 10.48
